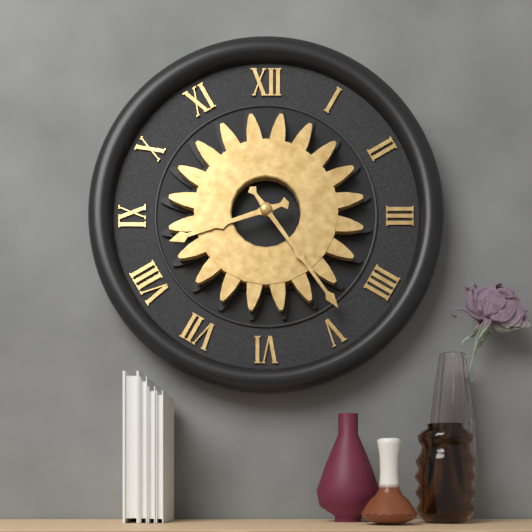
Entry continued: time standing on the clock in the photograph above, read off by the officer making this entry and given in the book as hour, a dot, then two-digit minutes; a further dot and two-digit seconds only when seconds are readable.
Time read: 8.24
